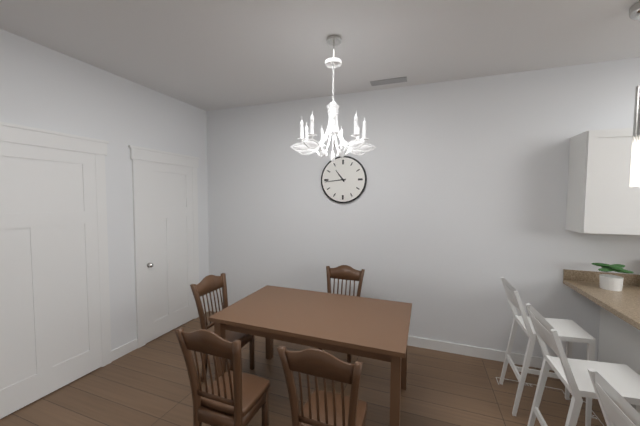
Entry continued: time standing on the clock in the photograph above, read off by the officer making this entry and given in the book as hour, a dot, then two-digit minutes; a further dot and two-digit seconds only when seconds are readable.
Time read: 10.44
